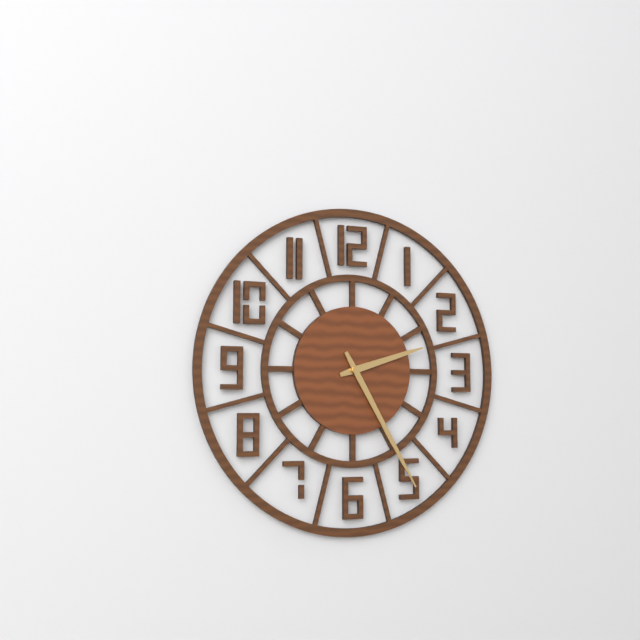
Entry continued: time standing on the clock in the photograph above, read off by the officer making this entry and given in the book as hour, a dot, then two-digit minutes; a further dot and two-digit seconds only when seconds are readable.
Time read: 2.25
